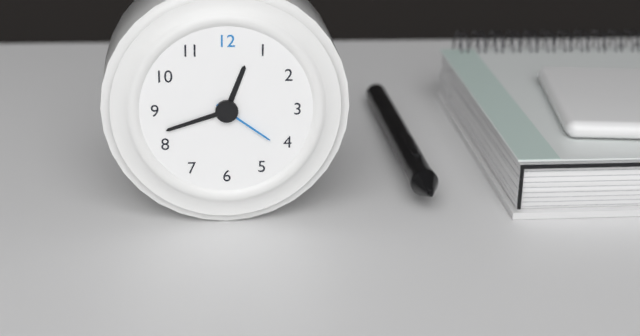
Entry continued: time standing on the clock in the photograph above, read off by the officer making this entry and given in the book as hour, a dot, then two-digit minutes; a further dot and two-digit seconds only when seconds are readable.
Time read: 12.42.21
